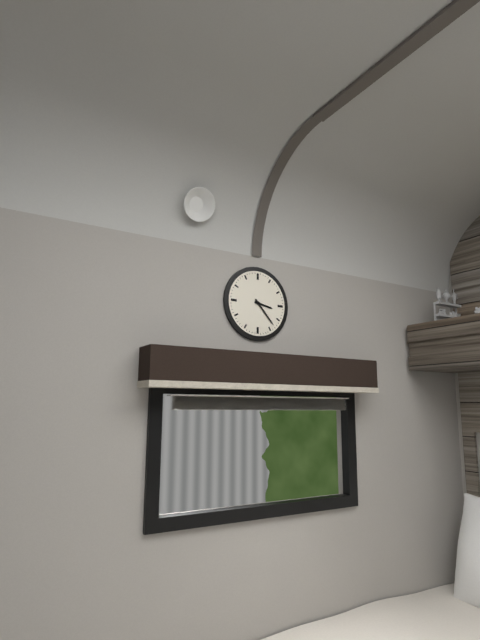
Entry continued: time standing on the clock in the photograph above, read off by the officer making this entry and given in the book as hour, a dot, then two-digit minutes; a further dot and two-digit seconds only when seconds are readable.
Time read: 3.23
